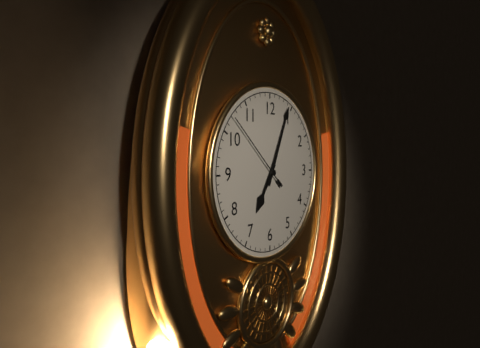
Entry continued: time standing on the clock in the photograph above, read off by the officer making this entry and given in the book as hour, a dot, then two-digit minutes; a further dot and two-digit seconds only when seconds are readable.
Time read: 7.04.52
